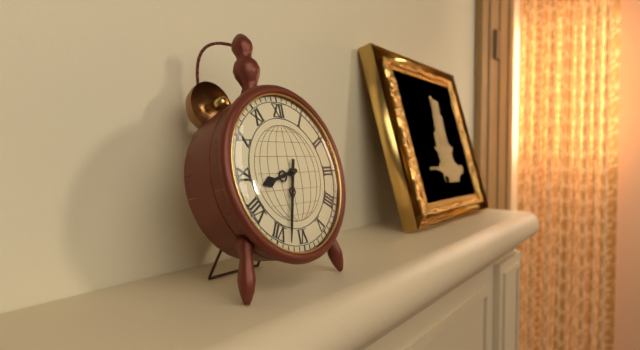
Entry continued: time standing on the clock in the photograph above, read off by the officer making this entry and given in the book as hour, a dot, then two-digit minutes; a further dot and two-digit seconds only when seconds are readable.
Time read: 8.33
